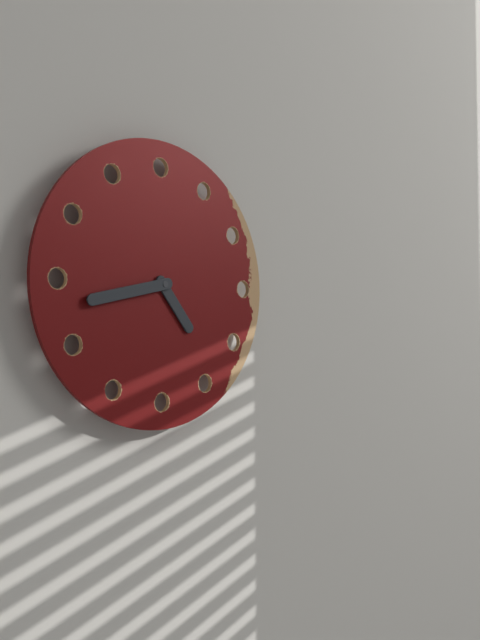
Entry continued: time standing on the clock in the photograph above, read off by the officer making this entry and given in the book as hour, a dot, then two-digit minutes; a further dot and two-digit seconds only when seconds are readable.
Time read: 4.43
